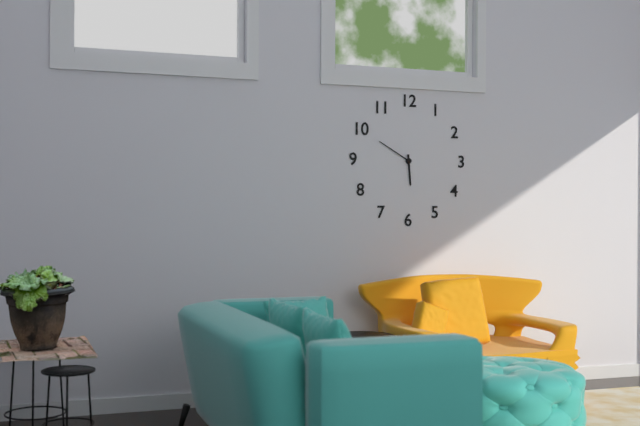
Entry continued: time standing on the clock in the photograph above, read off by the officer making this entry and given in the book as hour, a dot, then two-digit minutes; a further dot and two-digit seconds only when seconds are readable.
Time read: 5.50
